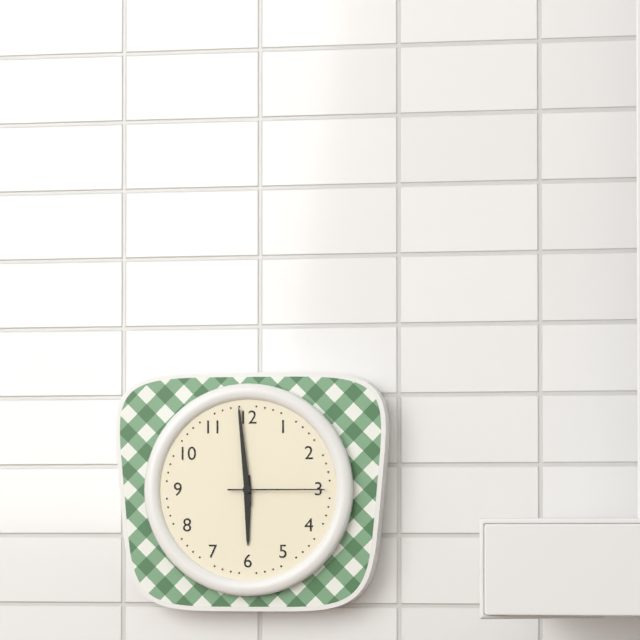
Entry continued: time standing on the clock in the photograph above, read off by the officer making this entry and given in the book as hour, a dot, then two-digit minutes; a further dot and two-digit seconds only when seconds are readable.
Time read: 5.59.15
